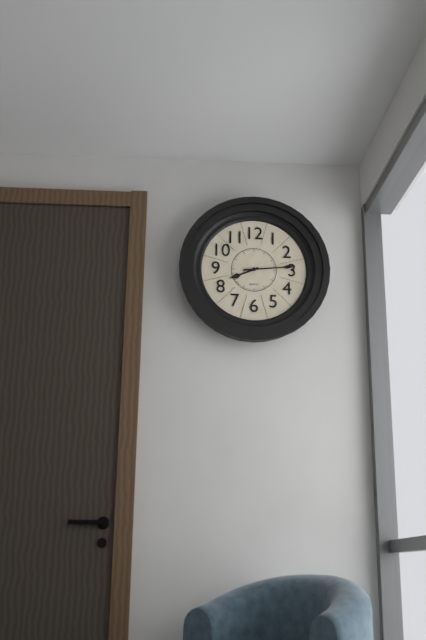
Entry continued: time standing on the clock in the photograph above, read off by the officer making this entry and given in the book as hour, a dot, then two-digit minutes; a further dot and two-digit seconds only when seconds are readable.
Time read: 8.14
